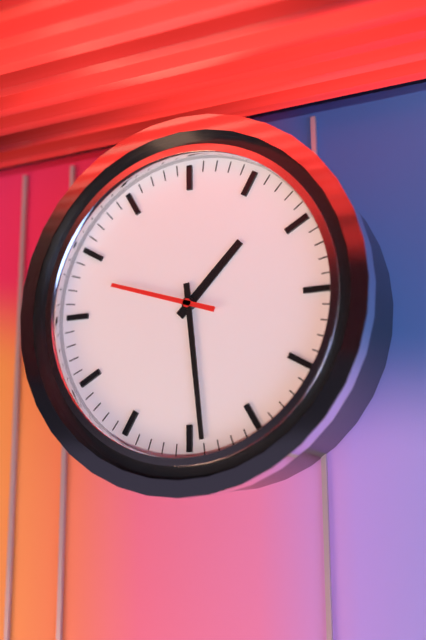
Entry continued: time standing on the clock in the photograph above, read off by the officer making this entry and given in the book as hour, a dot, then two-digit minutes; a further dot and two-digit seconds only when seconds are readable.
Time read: 1.29.48
